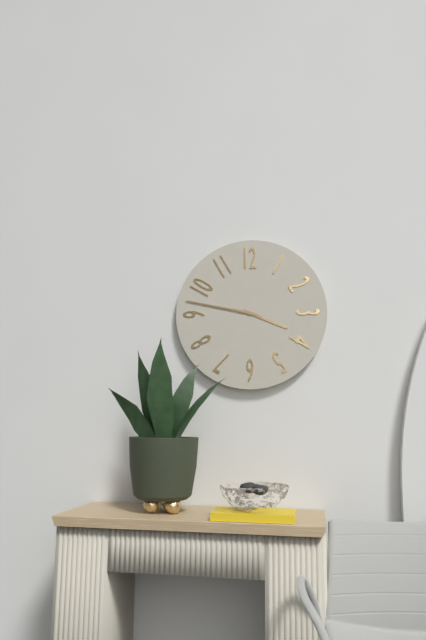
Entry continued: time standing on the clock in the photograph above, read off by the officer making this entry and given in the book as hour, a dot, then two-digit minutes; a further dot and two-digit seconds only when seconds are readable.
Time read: 3.47
